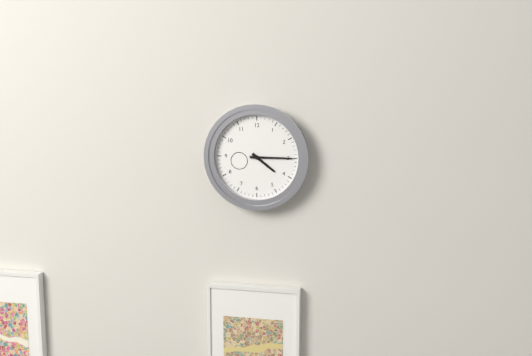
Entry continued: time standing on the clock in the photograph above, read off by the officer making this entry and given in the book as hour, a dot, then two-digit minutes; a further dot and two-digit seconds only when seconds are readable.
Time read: 4.15
